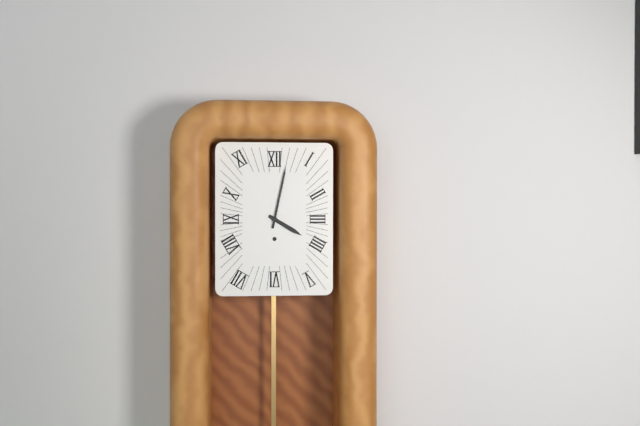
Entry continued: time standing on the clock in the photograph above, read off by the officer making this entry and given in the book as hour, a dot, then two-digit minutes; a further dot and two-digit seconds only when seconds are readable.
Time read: 4.02
